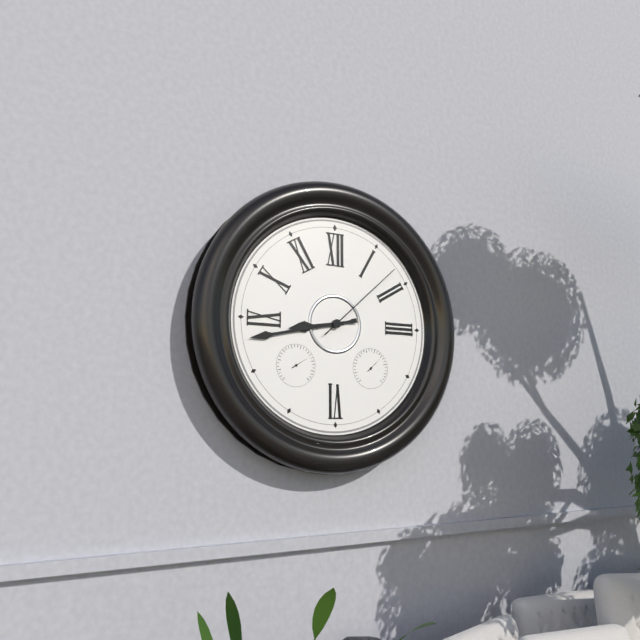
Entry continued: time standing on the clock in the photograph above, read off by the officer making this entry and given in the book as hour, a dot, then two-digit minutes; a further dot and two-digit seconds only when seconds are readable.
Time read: 8.43.08
